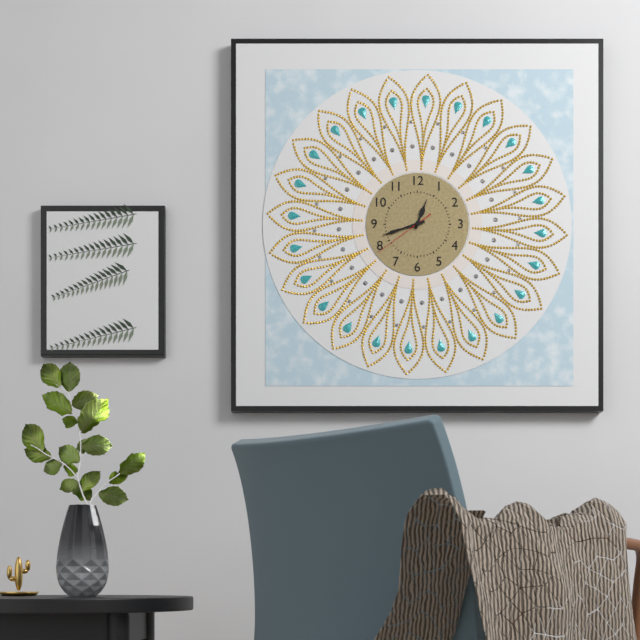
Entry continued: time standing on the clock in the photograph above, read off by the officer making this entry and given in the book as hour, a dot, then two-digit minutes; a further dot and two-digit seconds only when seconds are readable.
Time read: 12.42.39
